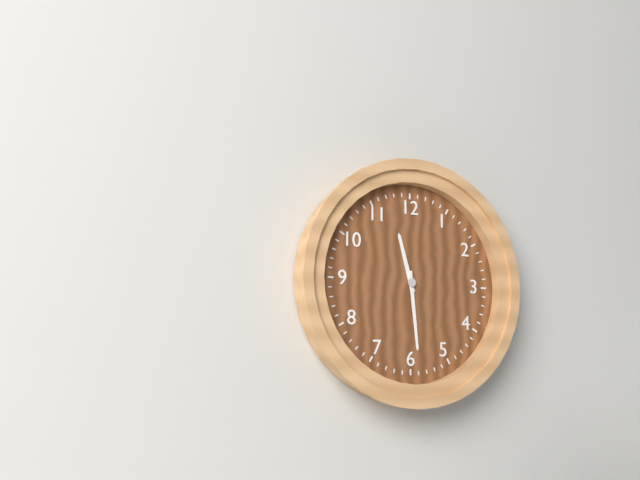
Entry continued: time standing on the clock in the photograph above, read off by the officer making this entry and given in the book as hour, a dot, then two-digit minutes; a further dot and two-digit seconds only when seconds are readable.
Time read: 11.29
